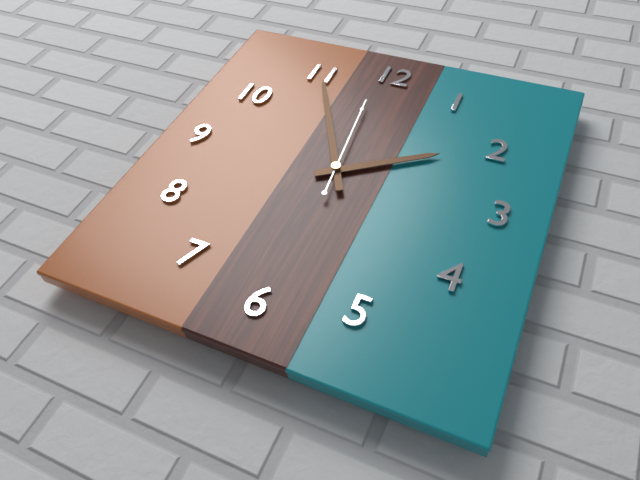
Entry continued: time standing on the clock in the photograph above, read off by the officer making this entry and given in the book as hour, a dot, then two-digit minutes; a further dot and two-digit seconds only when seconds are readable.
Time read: 1.55.59
